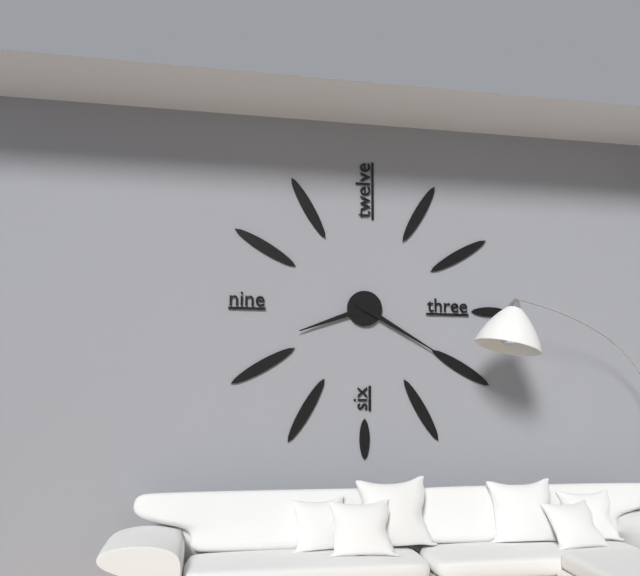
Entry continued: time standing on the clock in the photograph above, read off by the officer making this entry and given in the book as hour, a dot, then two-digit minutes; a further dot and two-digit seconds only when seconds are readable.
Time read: 8.20
